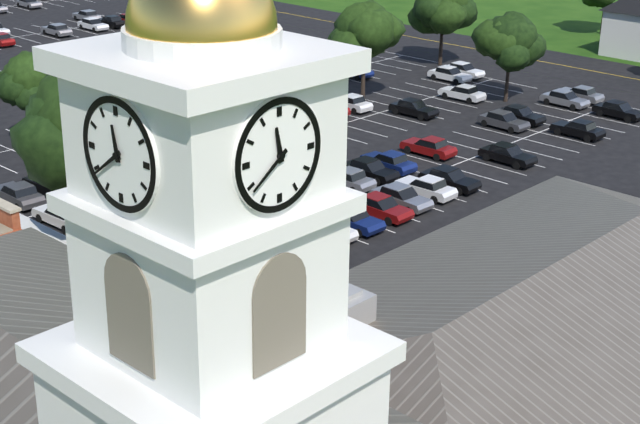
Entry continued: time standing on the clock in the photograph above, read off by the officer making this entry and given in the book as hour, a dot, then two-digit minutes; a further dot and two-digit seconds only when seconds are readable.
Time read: 11.39
